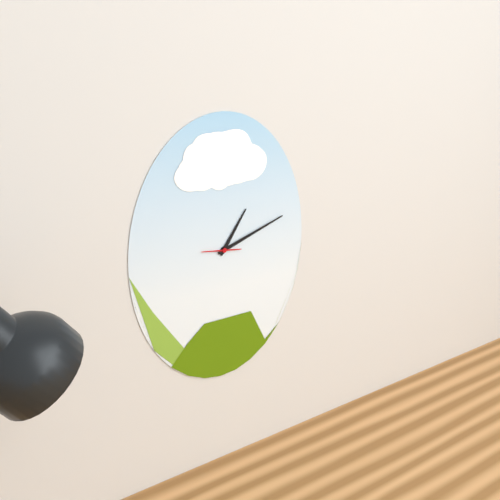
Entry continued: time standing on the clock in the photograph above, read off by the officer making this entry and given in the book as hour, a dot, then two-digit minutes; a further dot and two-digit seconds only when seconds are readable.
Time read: 1.12
